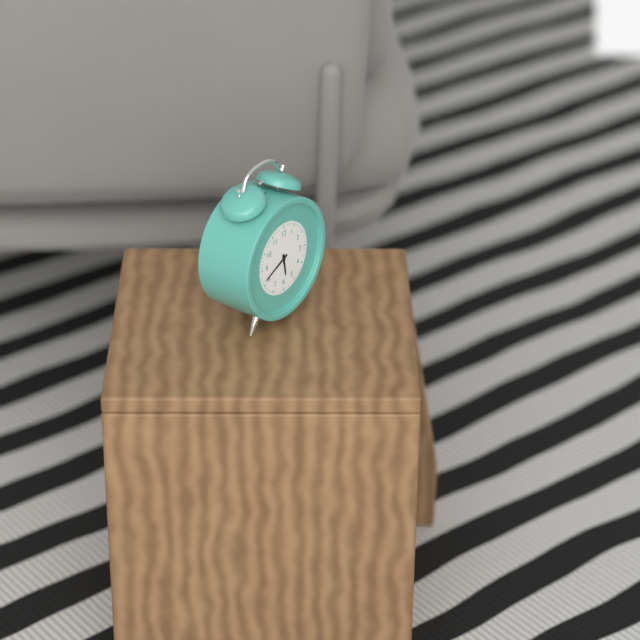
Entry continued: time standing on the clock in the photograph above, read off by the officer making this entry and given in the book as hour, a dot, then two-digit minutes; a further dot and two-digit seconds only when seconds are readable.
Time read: 5.41
